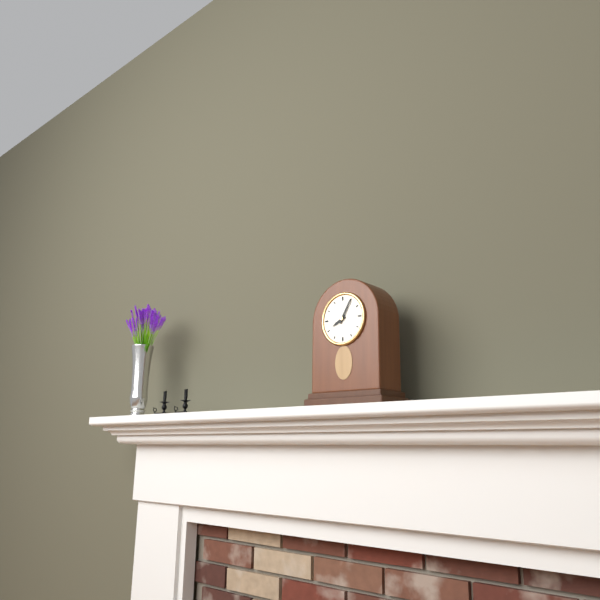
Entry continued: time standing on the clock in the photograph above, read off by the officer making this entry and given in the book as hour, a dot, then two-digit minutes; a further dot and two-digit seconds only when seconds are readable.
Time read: 8.05
